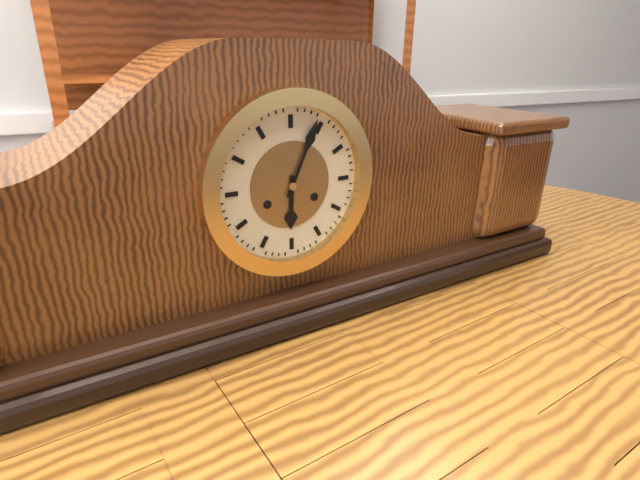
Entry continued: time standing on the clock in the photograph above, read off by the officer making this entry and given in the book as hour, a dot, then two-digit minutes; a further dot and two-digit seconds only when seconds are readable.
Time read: 6.04
